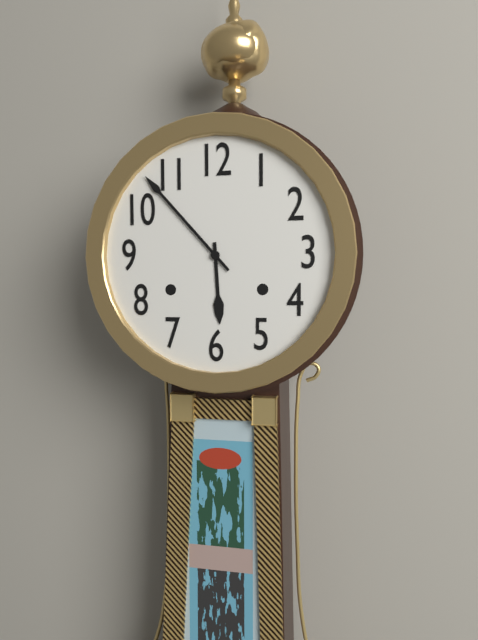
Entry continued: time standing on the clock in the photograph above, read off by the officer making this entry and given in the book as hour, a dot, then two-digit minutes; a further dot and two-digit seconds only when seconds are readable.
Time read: 5.53
